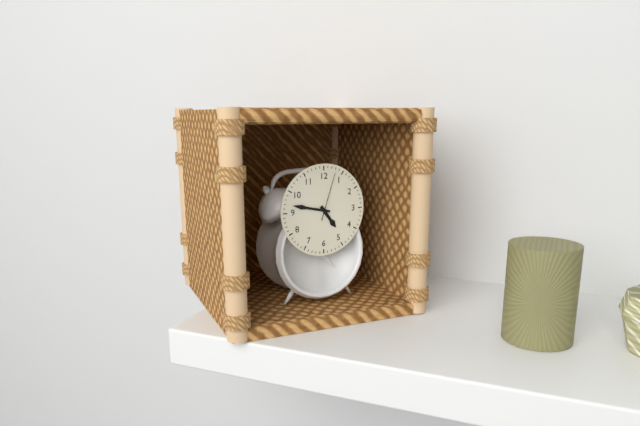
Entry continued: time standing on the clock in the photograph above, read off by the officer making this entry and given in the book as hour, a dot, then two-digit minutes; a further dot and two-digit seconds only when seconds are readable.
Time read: 4.47
